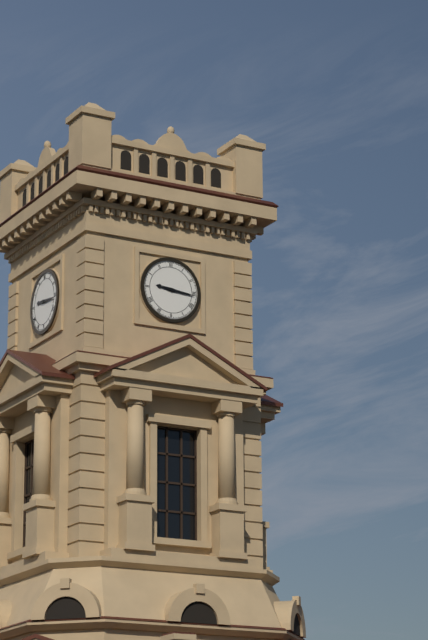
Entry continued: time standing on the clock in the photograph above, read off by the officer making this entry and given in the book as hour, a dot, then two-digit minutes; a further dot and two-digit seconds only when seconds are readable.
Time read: 9.16
